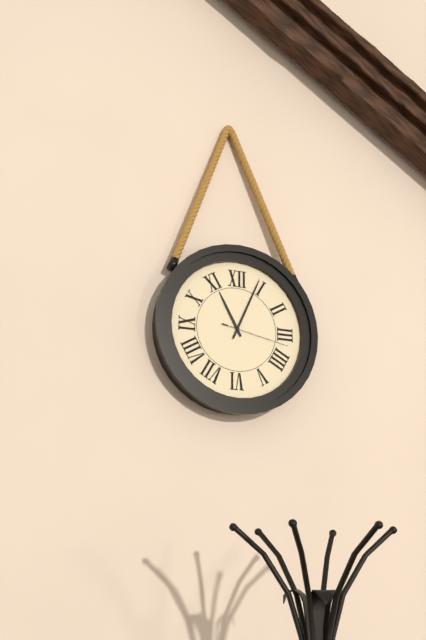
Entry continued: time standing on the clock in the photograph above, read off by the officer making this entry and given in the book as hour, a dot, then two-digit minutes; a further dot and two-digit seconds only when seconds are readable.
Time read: 11.04.17
